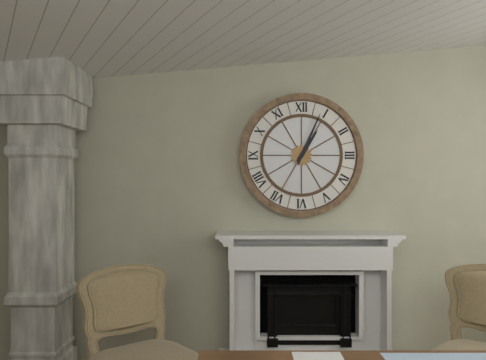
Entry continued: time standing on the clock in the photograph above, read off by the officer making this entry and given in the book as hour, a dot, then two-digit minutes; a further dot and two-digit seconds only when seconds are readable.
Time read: 1.04
